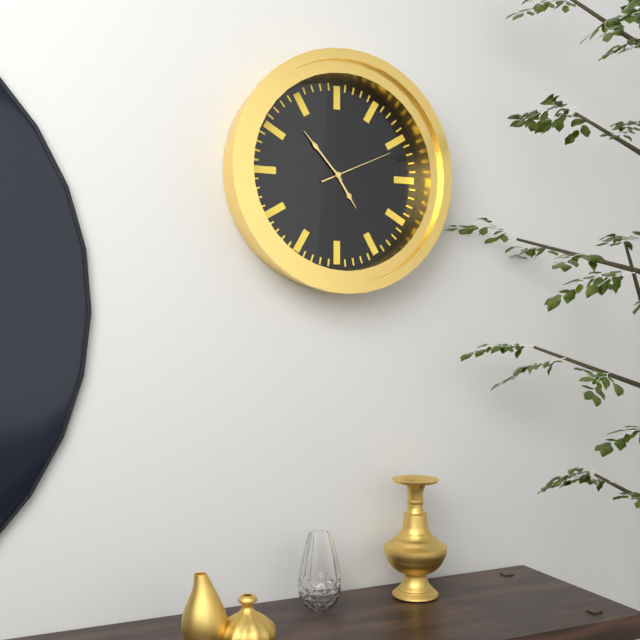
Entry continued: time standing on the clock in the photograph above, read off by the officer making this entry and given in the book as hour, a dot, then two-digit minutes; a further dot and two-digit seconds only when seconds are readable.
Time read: 4.53.11
